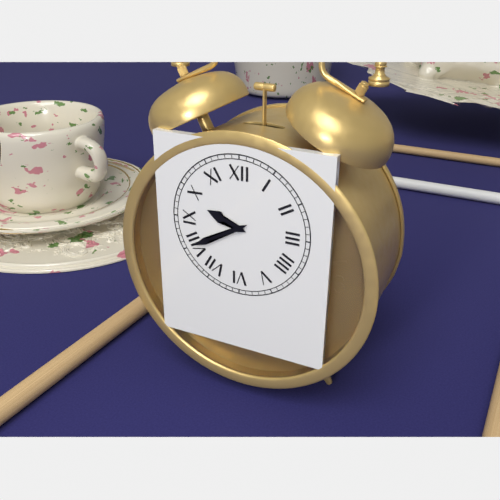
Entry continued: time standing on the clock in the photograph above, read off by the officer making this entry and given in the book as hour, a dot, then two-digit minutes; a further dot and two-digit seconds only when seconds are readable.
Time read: 9.40
